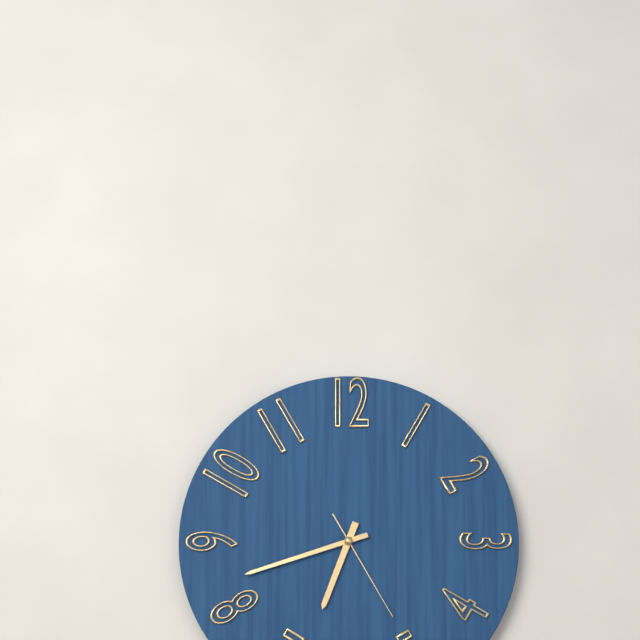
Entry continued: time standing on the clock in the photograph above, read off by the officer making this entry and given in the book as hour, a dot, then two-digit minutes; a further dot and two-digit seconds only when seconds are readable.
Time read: 6.42.25
